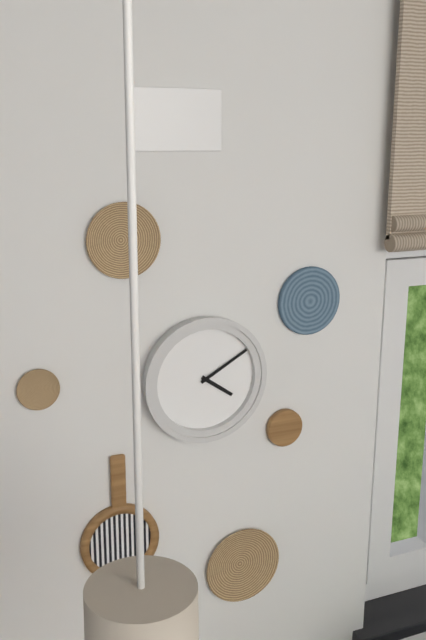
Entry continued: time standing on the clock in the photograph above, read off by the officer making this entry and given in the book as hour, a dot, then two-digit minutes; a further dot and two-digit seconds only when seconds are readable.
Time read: 4.10
